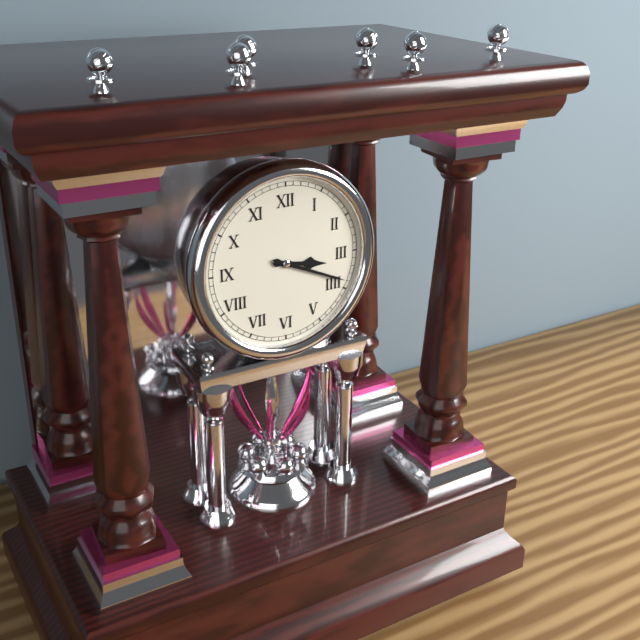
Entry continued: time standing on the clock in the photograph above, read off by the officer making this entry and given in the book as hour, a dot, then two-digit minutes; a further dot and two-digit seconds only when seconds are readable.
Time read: 3.19
